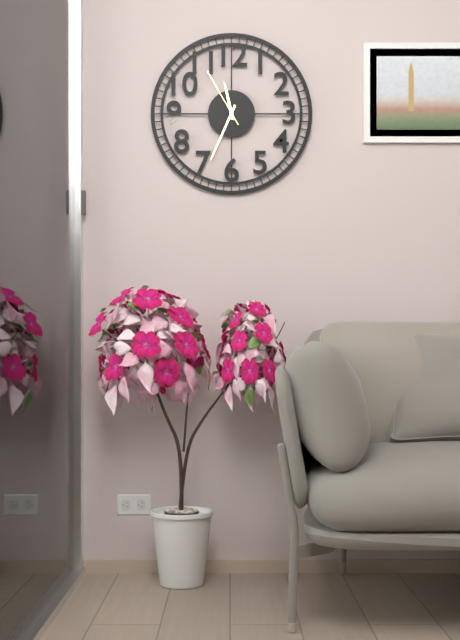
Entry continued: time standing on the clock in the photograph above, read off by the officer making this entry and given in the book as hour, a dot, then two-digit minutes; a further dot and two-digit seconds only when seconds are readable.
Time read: 11.34.55
